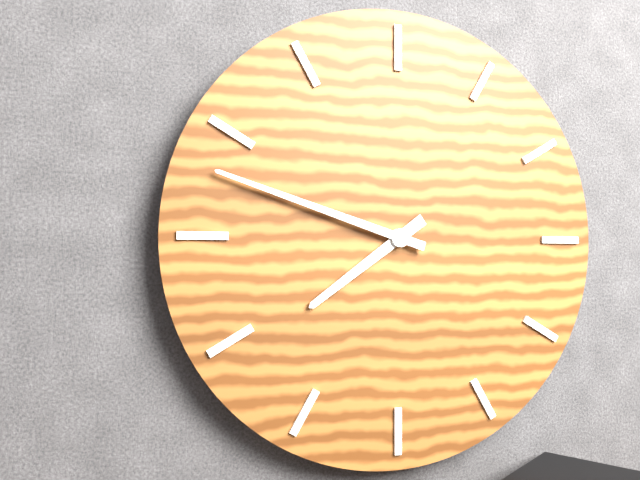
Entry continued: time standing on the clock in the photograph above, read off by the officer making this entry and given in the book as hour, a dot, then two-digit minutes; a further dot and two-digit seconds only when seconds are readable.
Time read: 7.48
